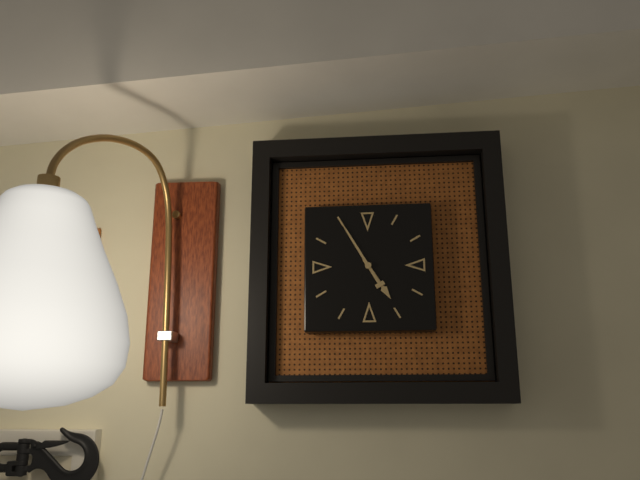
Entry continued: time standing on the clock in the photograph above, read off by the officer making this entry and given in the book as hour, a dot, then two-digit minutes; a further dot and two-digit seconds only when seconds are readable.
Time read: 4.55
